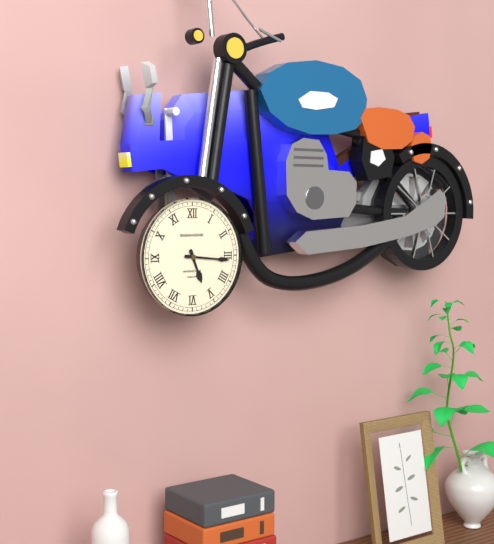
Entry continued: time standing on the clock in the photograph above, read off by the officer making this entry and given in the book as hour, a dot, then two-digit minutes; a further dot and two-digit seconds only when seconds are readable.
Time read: 5.16
